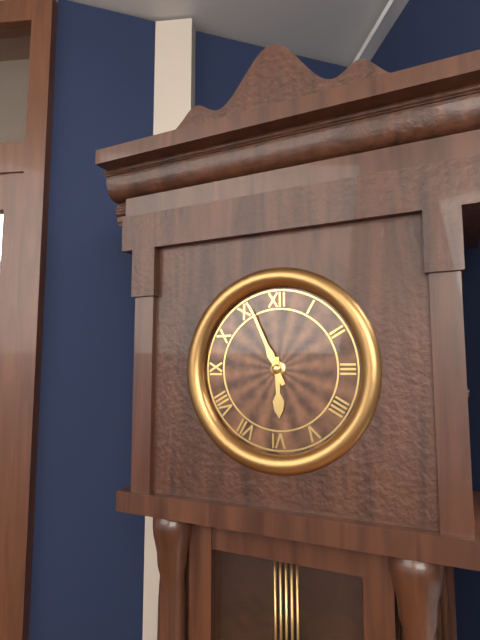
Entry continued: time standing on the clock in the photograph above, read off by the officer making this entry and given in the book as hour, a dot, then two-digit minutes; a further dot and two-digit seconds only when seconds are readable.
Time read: 5.56
